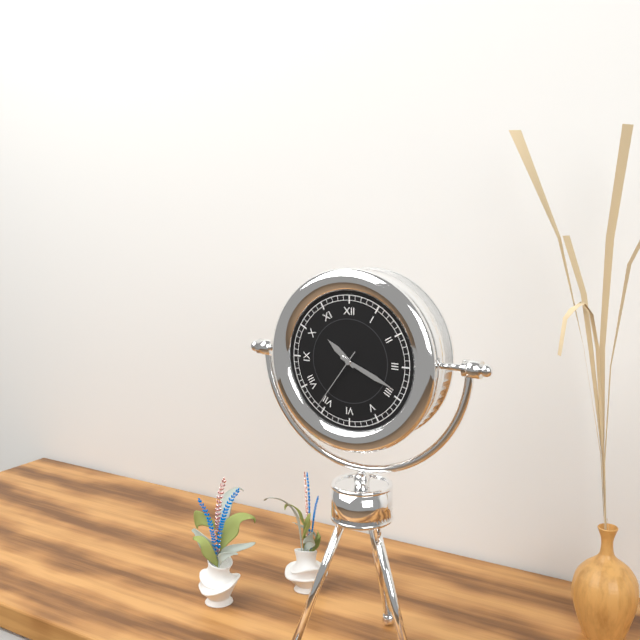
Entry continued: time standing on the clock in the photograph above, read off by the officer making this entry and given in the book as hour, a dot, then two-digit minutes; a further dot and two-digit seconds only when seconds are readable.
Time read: 10.19.36
